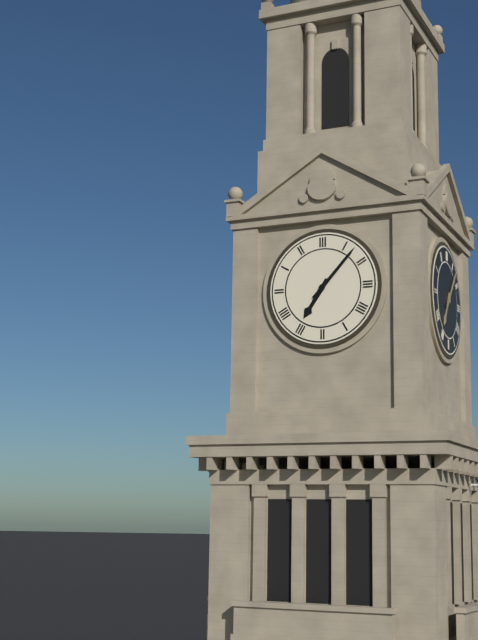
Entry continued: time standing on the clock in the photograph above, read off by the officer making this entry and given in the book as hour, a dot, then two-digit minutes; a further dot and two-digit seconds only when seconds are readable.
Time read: 7.07
